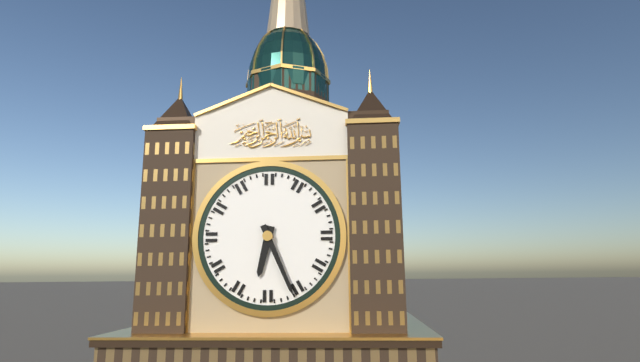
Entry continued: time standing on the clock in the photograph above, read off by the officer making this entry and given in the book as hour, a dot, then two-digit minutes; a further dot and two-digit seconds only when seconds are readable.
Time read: 6.26
